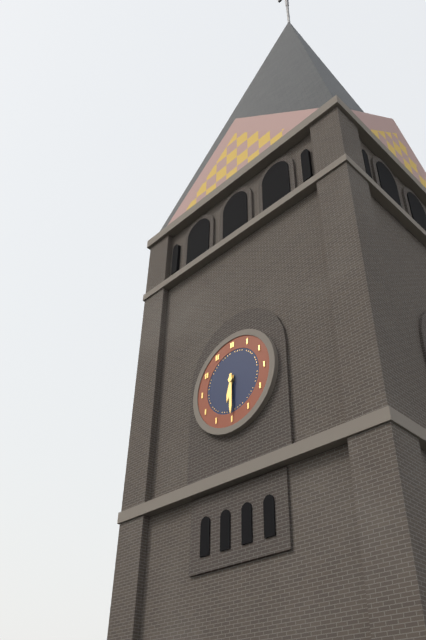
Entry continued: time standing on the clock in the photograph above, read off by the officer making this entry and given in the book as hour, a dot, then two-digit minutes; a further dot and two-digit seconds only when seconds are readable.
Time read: 6.30
